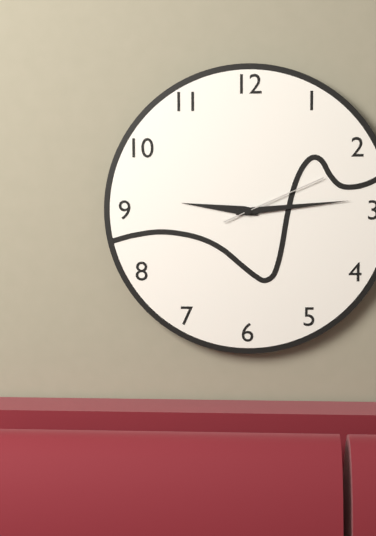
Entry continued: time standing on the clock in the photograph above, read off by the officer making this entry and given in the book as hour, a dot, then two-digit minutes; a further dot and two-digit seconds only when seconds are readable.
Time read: 9.14.11
